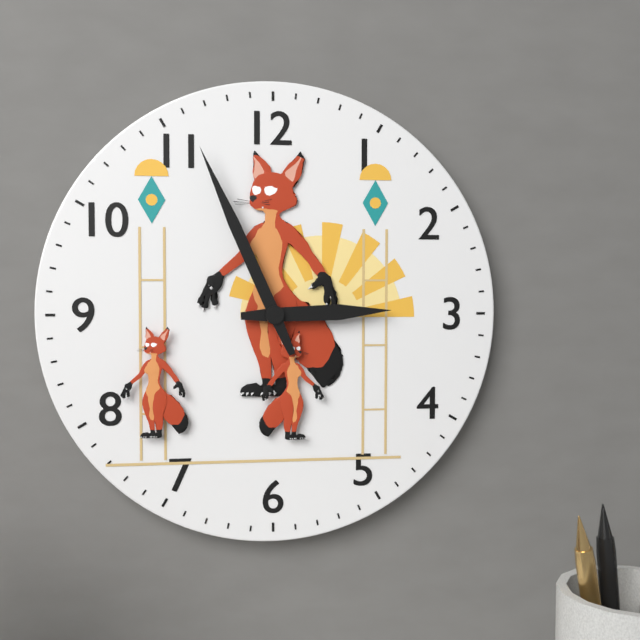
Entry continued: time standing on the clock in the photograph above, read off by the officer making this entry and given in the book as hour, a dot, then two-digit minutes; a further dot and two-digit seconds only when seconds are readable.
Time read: 2.56
